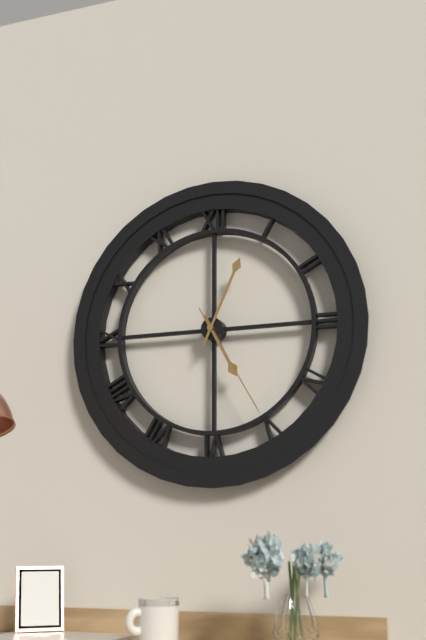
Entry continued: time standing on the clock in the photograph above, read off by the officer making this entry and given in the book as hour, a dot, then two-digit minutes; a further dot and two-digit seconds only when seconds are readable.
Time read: 5.04.25
